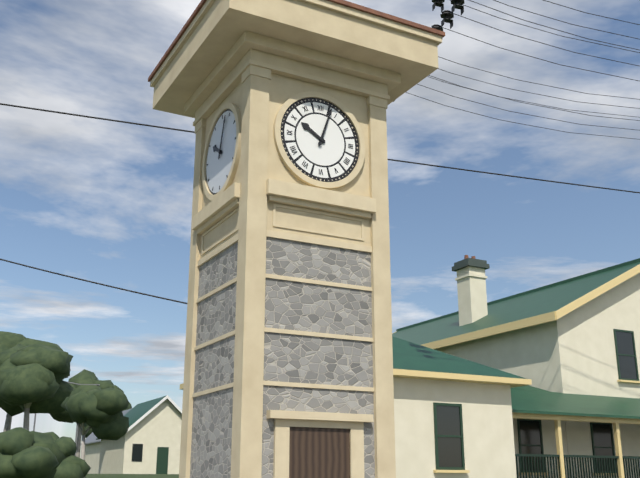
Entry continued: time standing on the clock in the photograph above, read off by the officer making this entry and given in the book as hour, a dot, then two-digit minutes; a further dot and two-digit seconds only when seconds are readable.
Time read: 10.03
